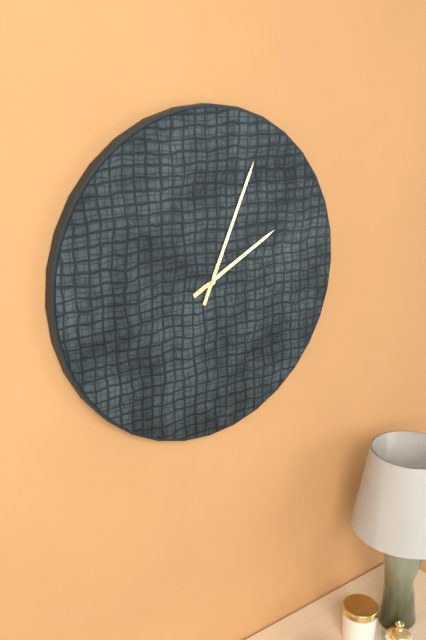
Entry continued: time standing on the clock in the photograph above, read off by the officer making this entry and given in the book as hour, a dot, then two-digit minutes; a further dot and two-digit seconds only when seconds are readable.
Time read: 2.04
